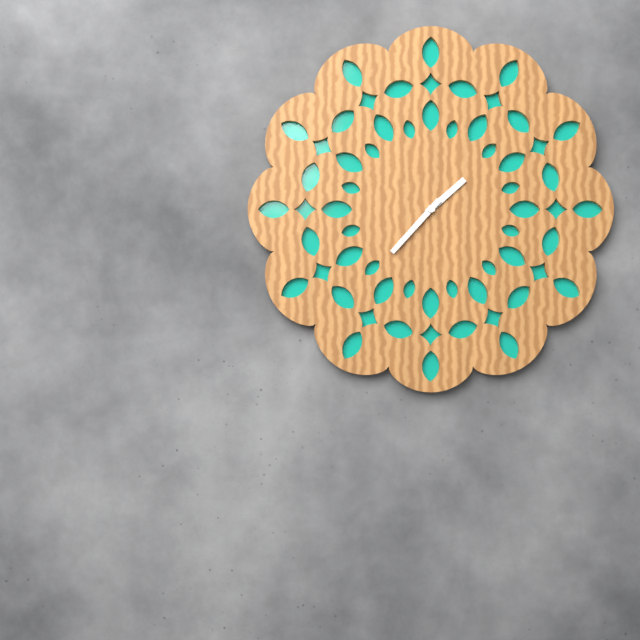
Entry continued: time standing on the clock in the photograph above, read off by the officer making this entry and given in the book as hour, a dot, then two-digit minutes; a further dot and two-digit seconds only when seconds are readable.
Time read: 1.37
